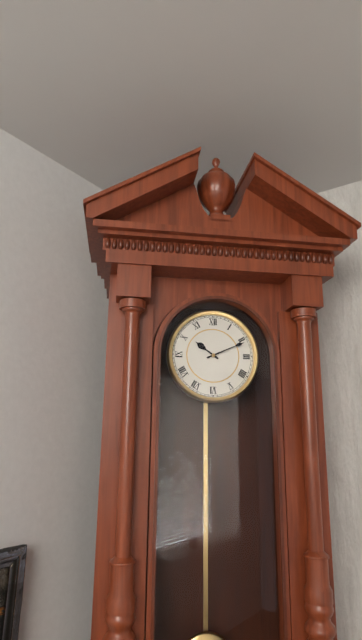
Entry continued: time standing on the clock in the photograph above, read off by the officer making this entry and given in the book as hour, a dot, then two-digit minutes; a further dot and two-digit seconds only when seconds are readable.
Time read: 10.11
